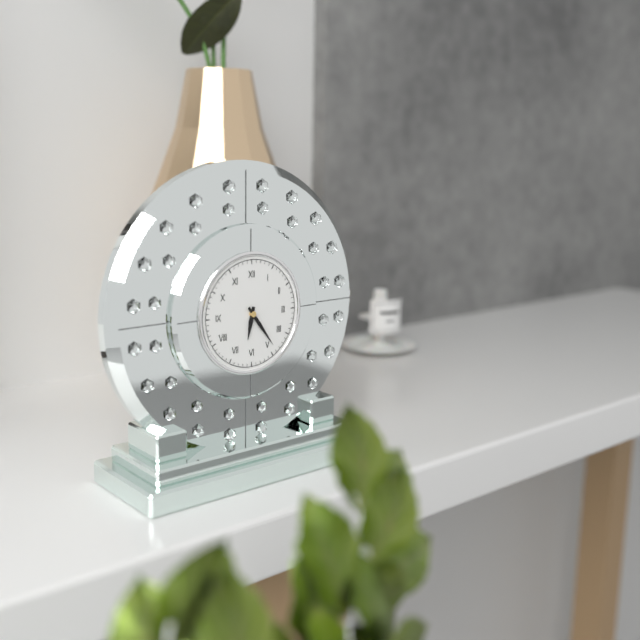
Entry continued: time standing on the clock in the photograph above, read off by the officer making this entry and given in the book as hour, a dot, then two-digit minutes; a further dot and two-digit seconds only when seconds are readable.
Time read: 6.24
